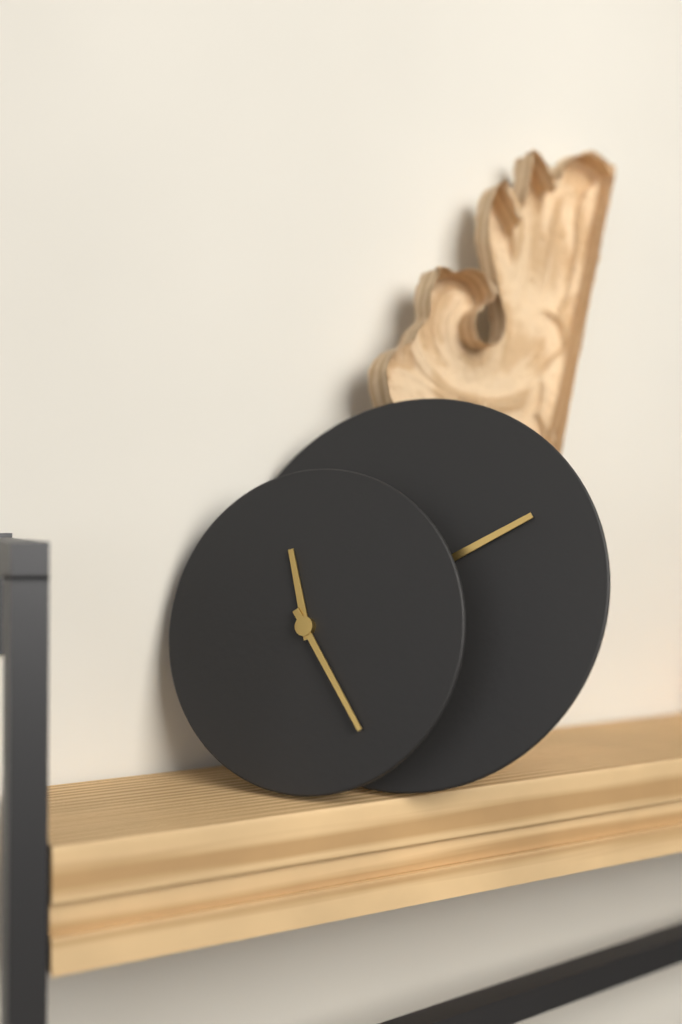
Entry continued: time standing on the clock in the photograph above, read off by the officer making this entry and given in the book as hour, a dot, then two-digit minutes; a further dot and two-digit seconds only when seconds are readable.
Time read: 11.24
